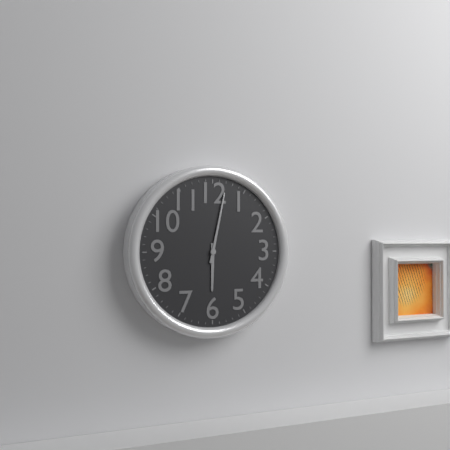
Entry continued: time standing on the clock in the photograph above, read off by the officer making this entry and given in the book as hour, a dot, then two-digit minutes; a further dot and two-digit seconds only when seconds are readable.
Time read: 6.02
